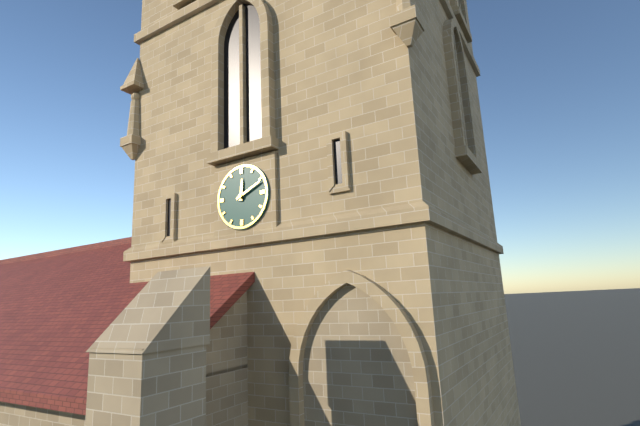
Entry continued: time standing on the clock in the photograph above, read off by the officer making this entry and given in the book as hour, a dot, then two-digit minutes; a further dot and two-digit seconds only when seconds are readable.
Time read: 12.11
